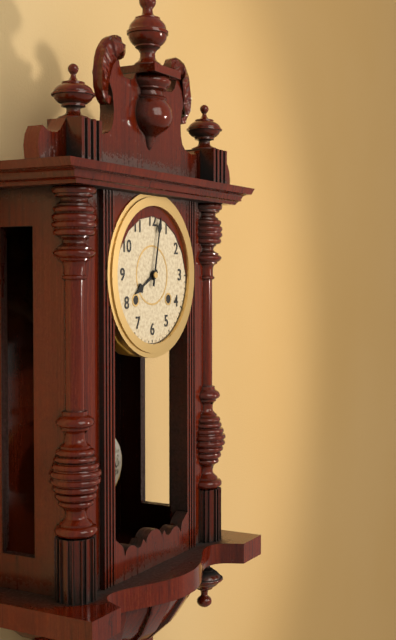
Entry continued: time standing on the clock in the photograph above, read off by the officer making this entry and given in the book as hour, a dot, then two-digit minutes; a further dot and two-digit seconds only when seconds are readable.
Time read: 8.02
